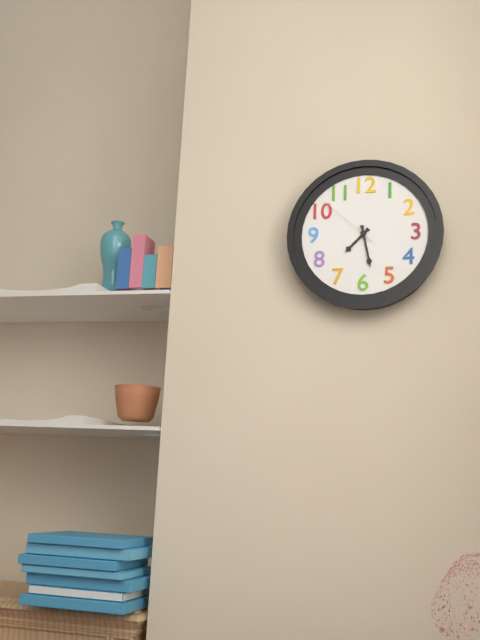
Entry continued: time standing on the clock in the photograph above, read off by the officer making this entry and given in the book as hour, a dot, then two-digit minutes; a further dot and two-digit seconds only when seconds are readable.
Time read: 7.28.52
